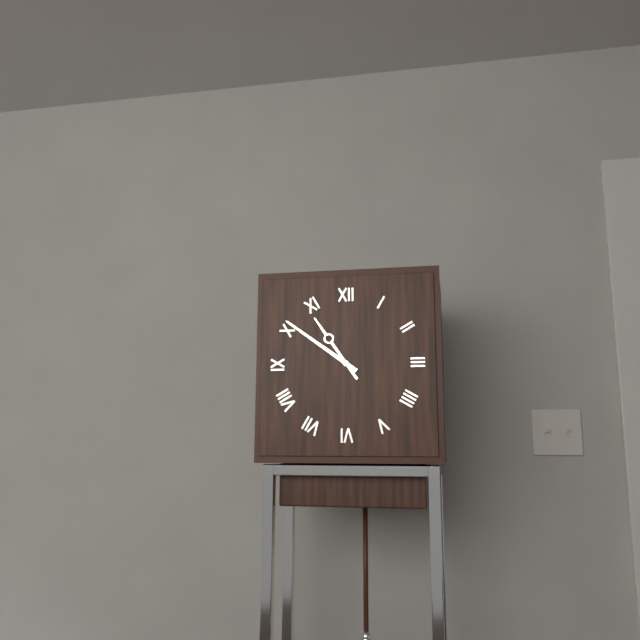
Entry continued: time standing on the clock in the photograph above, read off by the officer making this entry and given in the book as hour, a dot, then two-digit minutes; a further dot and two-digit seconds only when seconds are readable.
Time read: 10.51
